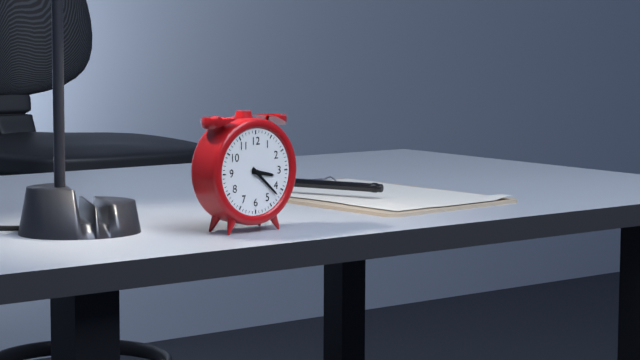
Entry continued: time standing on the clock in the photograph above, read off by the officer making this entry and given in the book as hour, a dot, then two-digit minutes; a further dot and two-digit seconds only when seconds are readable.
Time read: 3.22
